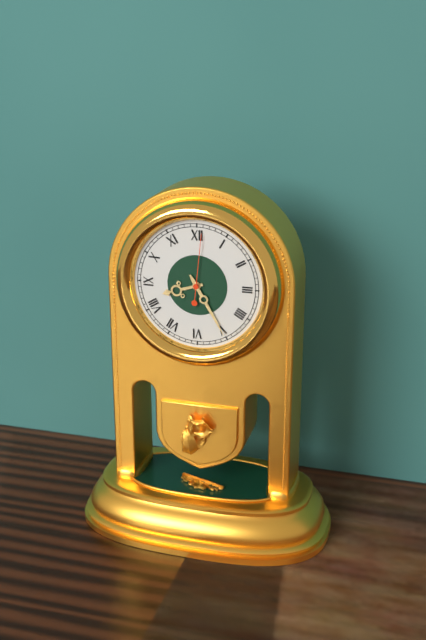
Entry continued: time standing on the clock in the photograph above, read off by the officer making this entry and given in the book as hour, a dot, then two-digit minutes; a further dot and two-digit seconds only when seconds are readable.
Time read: 8.25.01
